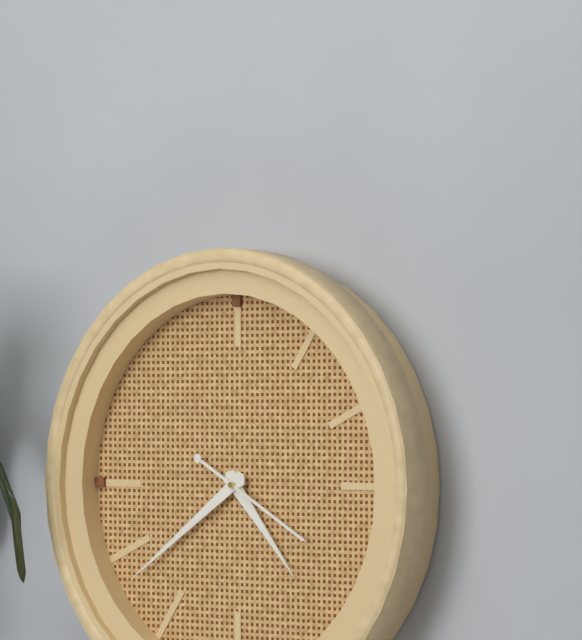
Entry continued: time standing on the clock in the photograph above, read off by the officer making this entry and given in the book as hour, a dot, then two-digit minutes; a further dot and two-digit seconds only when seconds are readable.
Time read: 4.39.20
